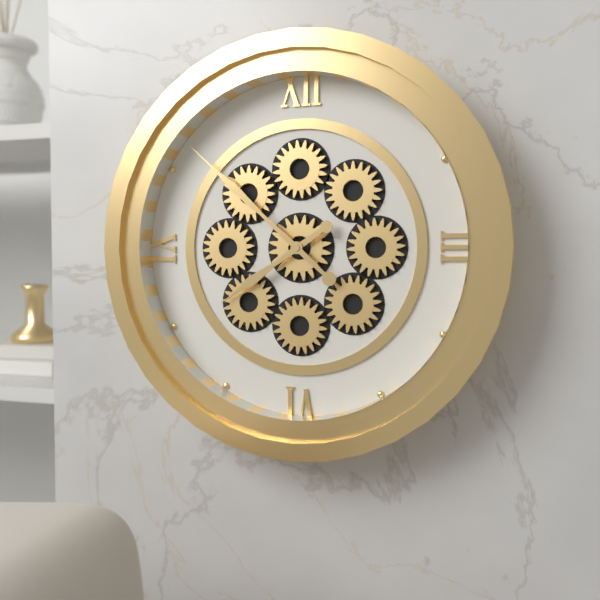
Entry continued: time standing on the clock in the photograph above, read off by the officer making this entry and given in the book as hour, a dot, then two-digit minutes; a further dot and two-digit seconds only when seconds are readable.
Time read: 7.52
